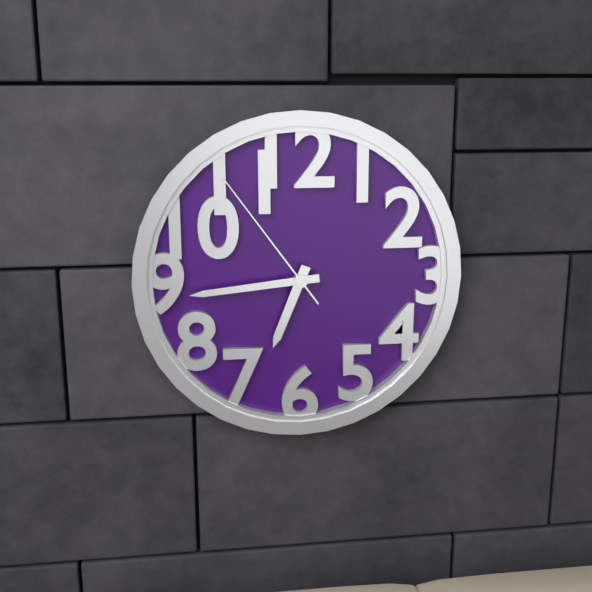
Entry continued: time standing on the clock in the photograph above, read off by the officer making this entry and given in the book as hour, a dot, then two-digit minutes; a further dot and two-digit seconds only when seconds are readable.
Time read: 6.44.54
